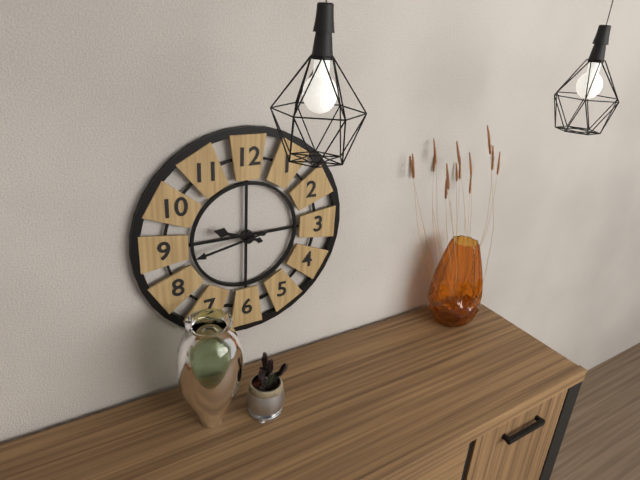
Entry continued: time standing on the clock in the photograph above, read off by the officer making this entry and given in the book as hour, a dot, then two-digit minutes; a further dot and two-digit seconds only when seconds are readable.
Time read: 9.43
